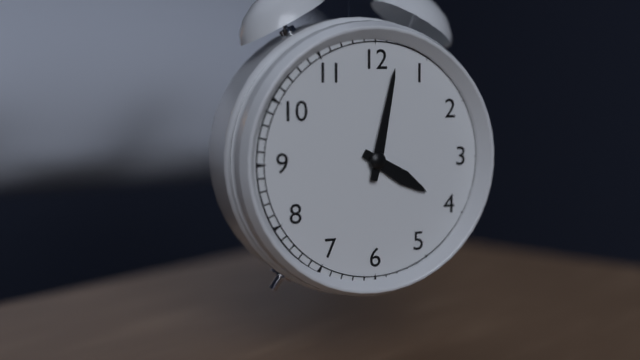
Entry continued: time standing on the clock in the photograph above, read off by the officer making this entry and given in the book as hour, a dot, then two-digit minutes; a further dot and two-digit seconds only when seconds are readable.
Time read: 4.02
